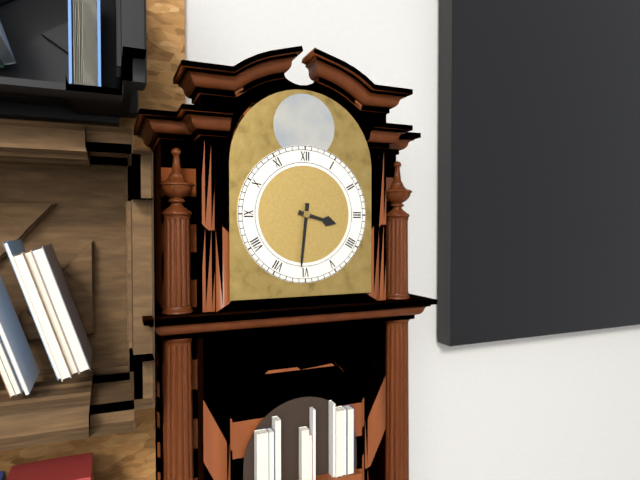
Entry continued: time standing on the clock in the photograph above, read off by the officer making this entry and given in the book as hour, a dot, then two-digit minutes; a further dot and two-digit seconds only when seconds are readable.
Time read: 3.31
